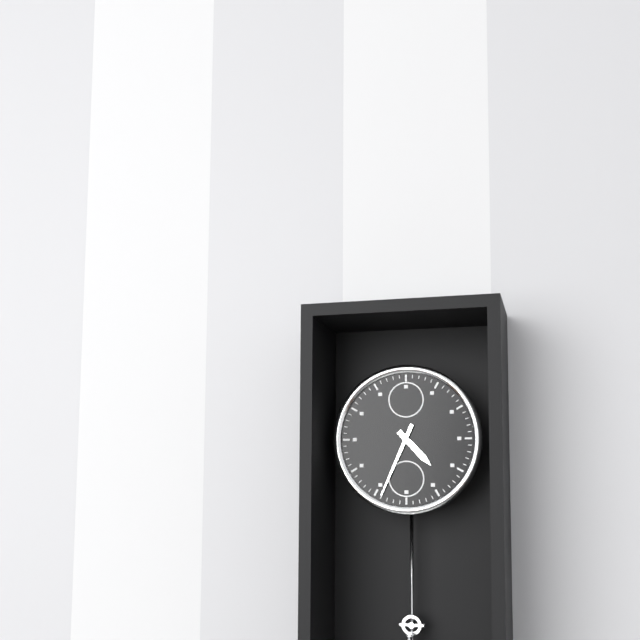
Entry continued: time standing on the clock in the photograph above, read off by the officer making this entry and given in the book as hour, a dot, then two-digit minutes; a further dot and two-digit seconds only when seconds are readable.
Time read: 4.34
